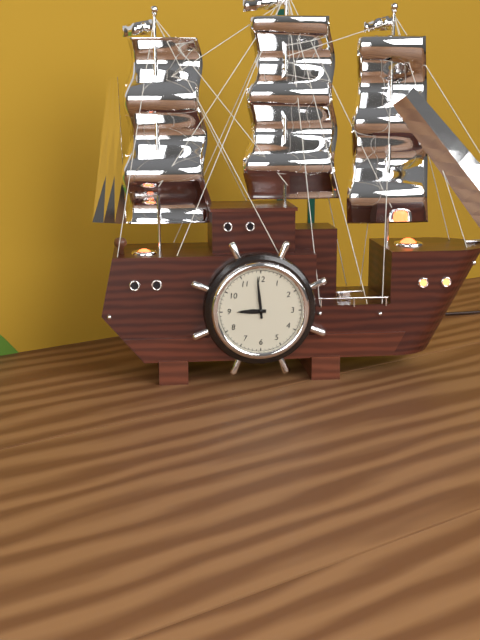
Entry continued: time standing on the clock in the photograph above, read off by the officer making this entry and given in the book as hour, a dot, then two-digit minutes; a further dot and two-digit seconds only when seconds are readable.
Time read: 8.59
